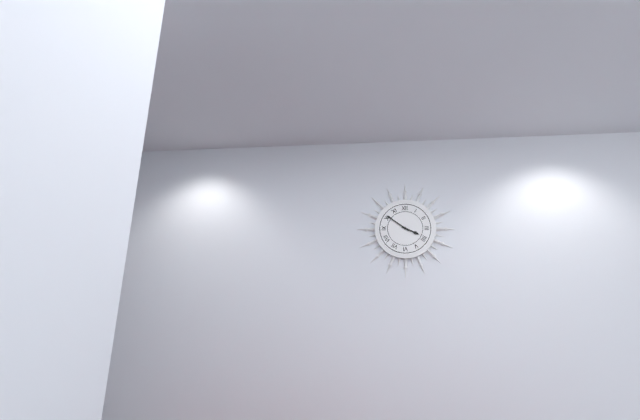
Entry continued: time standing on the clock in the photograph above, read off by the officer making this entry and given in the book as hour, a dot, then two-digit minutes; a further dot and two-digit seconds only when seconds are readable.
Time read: 3.51
